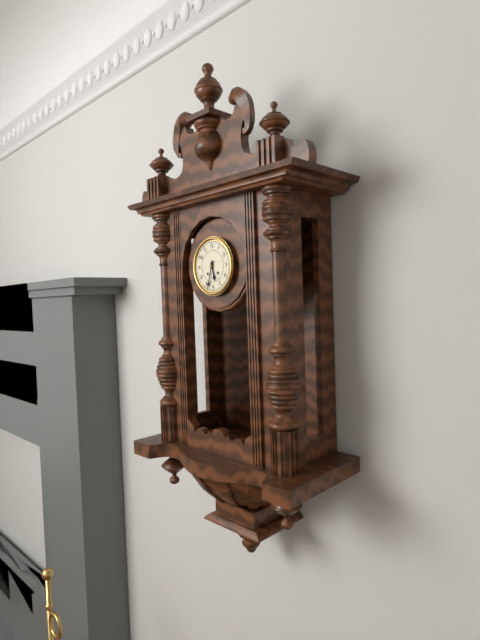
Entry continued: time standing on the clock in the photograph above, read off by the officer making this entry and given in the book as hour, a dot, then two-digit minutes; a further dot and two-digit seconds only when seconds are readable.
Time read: 5.33
